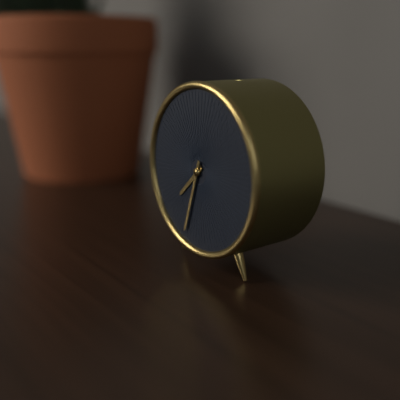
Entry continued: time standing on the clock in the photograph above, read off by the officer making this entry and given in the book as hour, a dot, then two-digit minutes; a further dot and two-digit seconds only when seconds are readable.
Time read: 7.33
